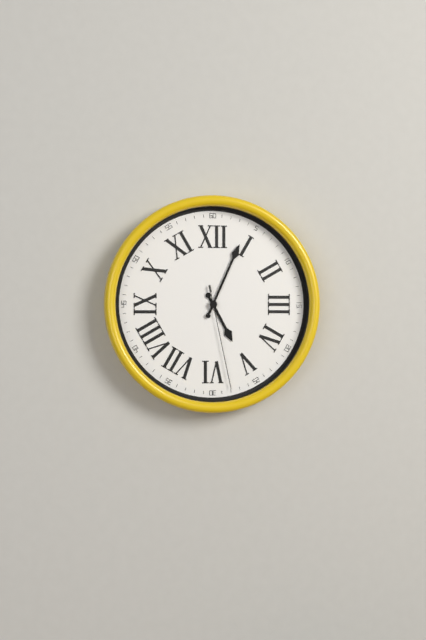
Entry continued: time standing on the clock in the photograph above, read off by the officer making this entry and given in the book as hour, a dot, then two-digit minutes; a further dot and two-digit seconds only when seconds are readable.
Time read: 5.04.28
